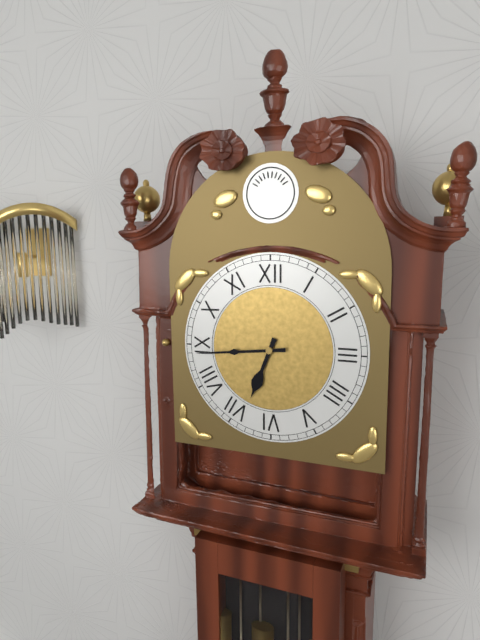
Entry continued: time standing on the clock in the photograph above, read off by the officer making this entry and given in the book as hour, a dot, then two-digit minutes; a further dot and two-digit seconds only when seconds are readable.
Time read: 6.44
